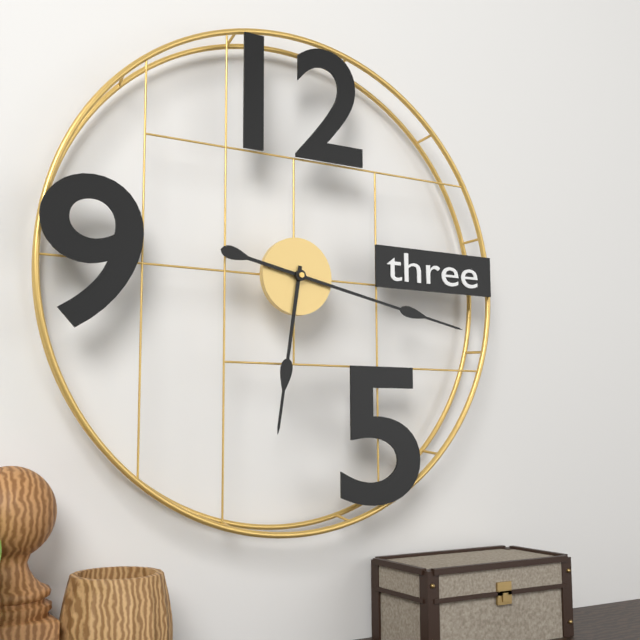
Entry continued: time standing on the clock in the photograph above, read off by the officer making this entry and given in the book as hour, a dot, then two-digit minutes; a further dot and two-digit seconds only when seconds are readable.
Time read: 6.17
